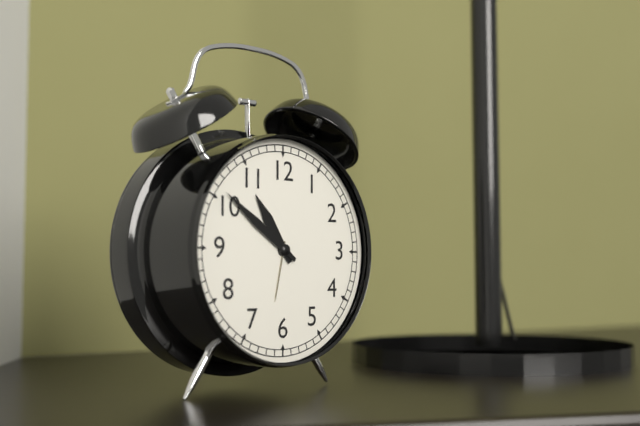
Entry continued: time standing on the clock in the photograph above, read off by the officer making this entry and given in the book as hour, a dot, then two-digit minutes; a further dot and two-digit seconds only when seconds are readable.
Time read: 10.51
